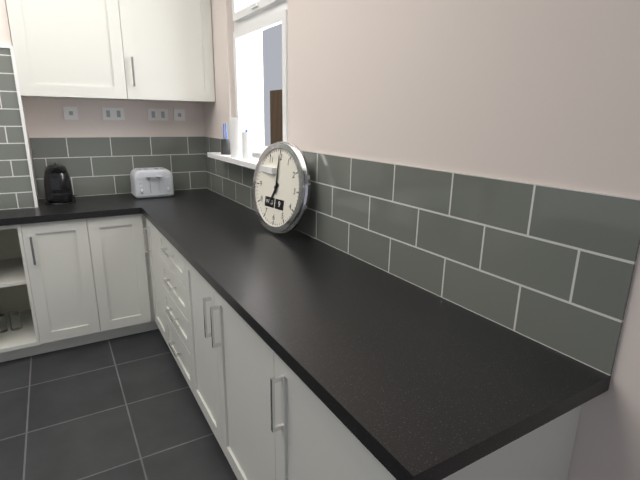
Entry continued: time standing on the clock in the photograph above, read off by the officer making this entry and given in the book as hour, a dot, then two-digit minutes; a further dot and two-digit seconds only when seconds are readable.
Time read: 7.00
